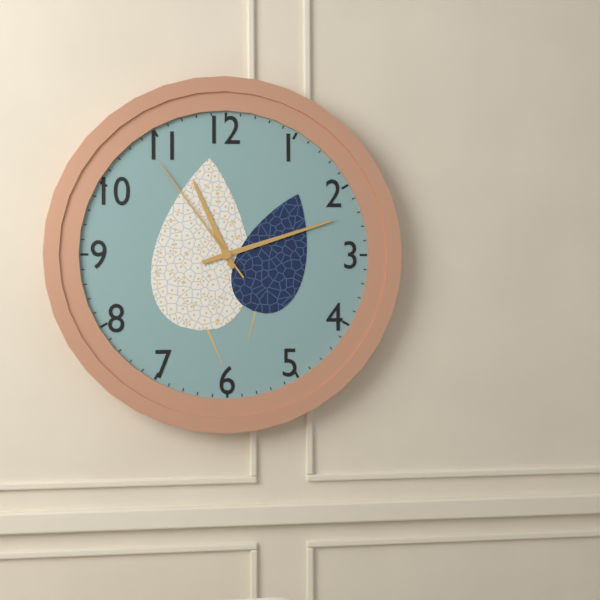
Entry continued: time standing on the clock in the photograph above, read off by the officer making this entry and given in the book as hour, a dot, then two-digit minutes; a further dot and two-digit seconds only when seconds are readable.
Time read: 11.12.54
